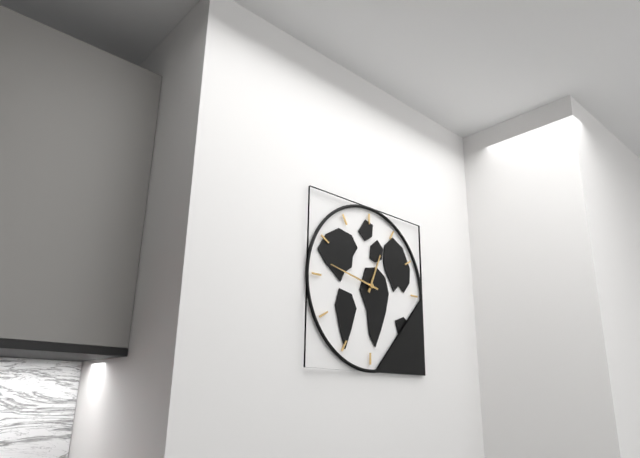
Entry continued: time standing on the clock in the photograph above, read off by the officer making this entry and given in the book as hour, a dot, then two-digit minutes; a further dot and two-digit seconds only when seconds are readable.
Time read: 12.47
